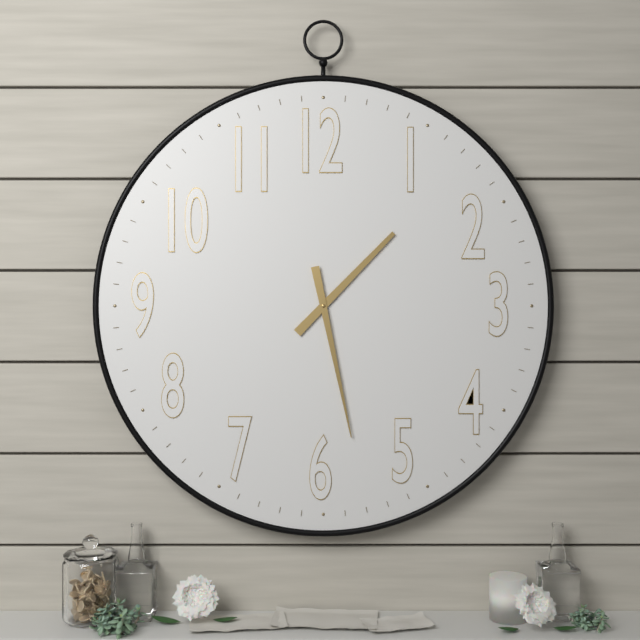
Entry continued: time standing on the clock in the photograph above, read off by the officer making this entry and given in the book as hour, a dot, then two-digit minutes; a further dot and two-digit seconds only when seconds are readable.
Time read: 1.28
